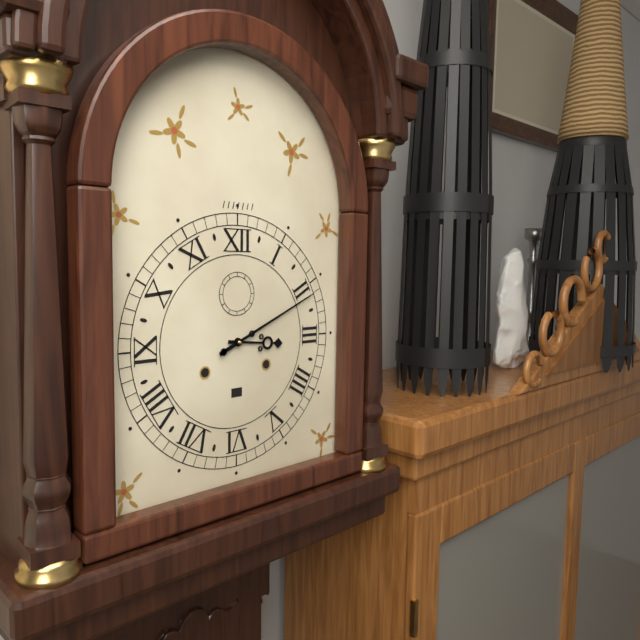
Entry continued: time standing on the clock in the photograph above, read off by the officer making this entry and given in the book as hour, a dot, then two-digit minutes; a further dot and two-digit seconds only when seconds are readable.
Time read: 3.11
